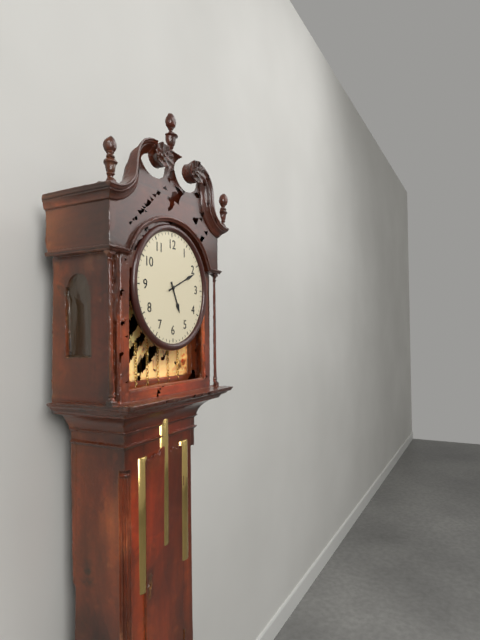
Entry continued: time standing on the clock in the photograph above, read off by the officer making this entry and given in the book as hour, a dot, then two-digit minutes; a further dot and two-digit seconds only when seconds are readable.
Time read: 5.11
